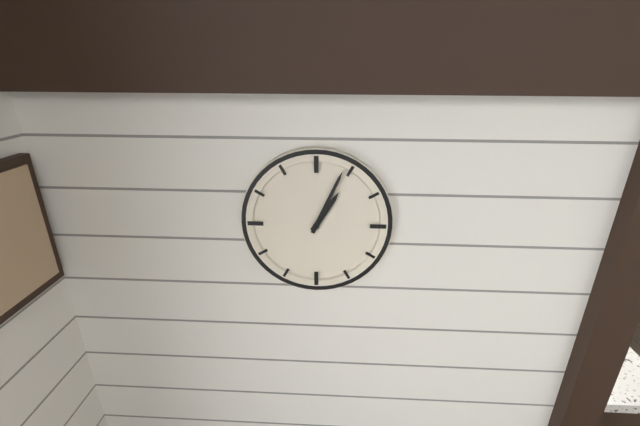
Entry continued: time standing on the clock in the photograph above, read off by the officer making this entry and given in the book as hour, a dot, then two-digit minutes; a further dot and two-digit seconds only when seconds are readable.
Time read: 1.04
